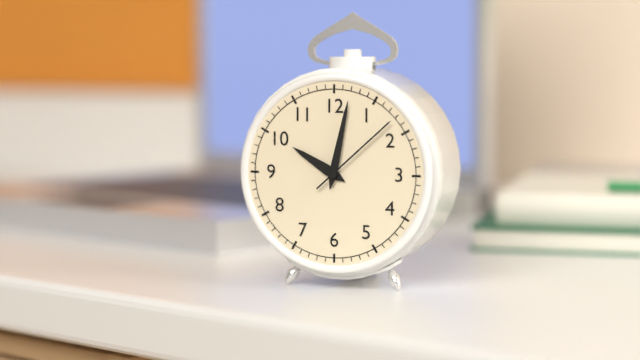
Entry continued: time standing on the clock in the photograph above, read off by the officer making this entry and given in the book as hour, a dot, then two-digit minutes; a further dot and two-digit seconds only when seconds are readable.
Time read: 10.02.08
